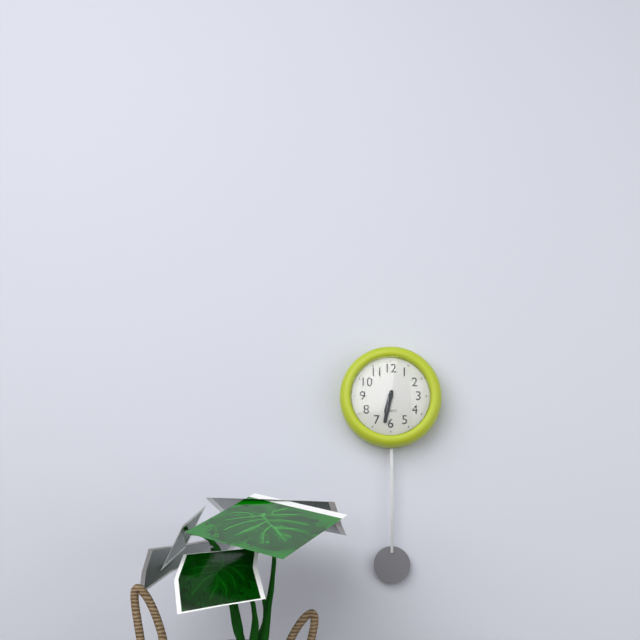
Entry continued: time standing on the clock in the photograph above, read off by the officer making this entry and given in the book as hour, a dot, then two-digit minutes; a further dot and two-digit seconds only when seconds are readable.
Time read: 6.32
